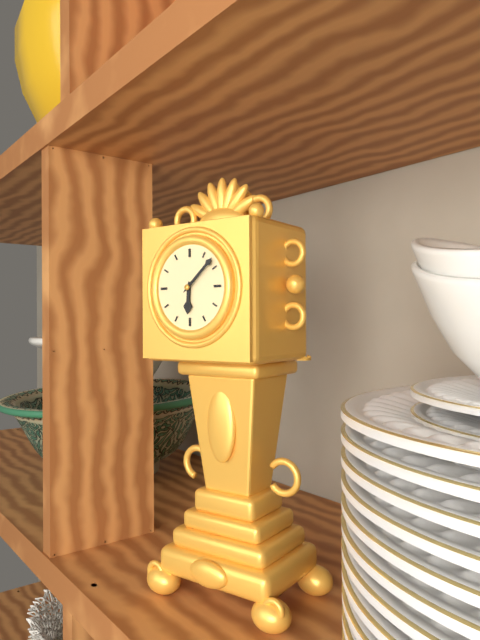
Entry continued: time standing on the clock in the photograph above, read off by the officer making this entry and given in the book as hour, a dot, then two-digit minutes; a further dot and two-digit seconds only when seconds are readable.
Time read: 6.08
